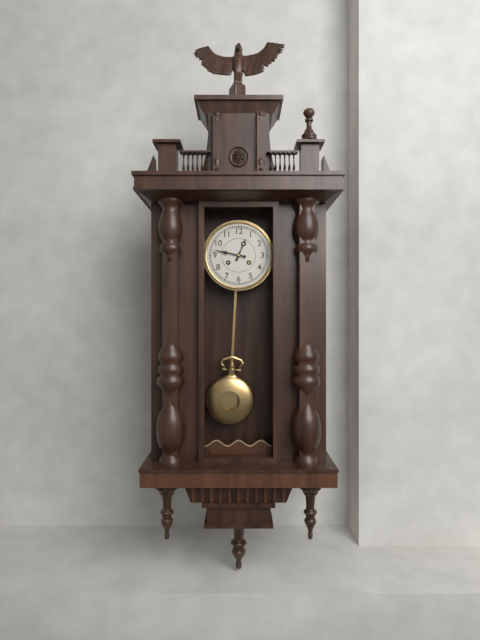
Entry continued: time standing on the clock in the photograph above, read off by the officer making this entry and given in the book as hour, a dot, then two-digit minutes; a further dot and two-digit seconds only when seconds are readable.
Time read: 12.47
